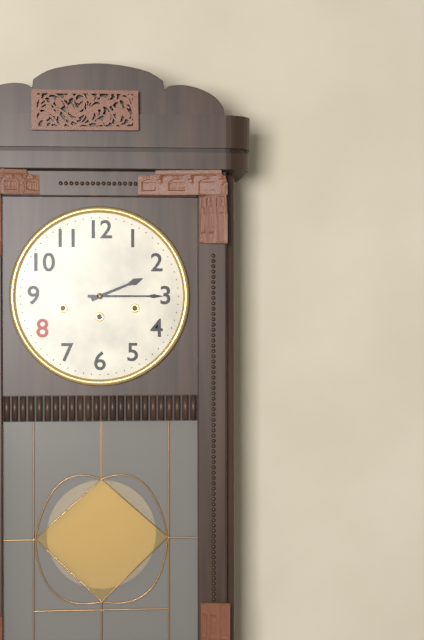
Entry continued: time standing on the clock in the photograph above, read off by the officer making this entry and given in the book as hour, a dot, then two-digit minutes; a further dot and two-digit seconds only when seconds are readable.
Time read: 2.15
